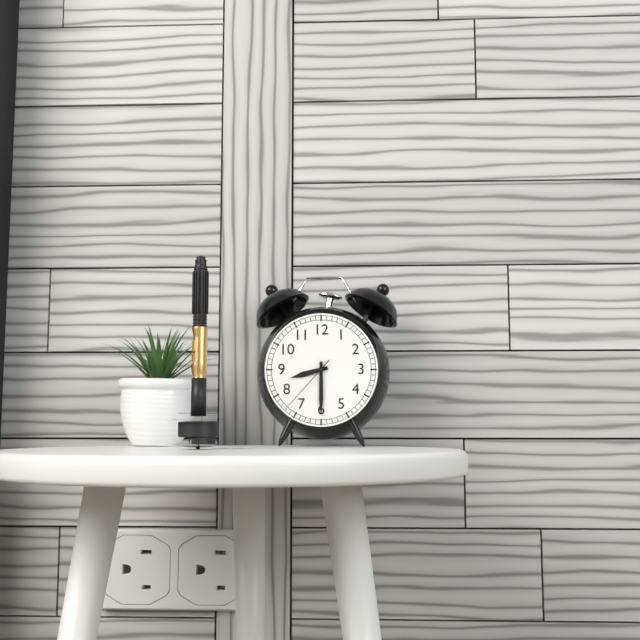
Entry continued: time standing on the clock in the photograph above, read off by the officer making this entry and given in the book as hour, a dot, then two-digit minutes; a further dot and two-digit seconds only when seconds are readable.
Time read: 8.30.37
